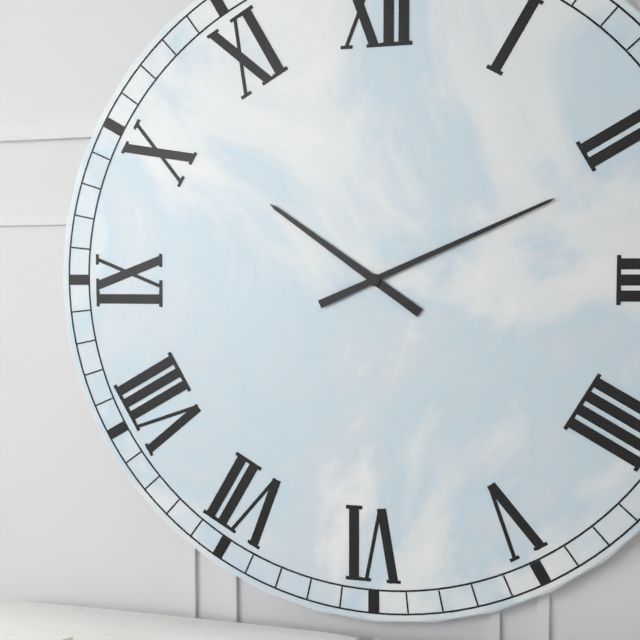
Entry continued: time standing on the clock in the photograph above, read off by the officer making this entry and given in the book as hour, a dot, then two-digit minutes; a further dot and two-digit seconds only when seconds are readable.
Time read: 10.11
